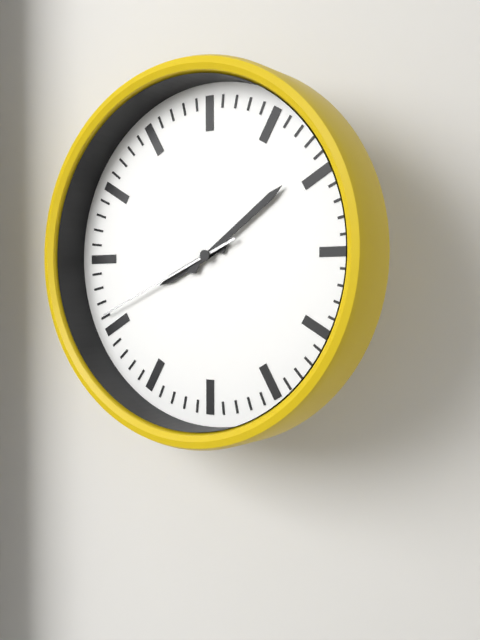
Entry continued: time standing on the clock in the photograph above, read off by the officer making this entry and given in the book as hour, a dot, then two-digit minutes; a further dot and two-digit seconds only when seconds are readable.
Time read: 8.09.41
